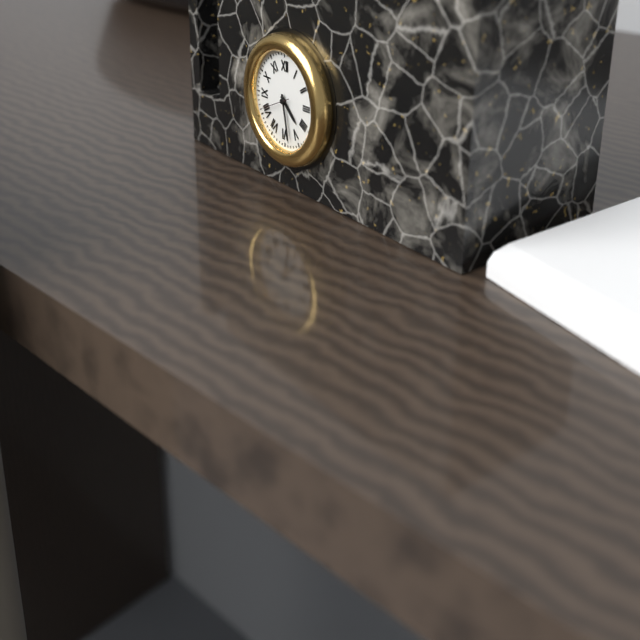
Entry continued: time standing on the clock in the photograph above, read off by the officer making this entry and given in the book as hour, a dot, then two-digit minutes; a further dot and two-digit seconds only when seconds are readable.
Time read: 4.28
